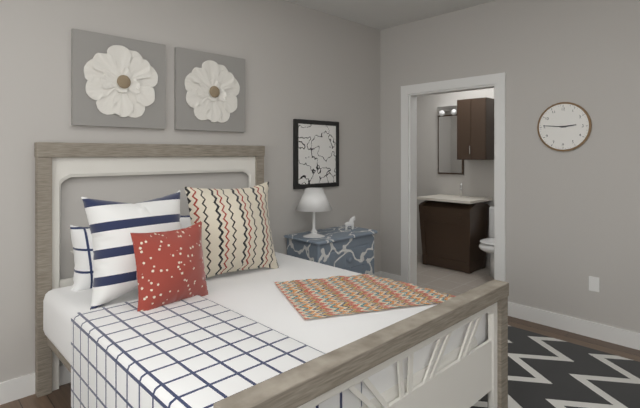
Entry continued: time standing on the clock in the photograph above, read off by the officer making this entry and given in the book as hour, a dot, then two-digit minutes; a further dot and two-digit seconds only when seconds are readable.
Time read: 2.46
